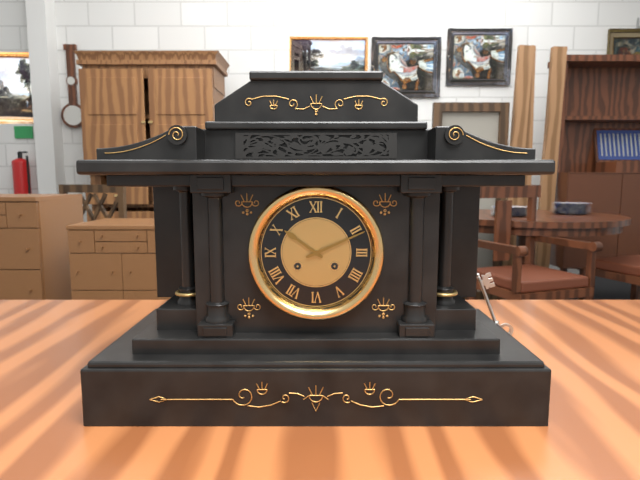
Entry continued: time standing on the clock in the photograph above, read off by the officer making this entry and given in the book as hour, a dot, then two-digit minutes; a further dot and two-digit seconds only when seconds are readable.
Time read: 10.11
